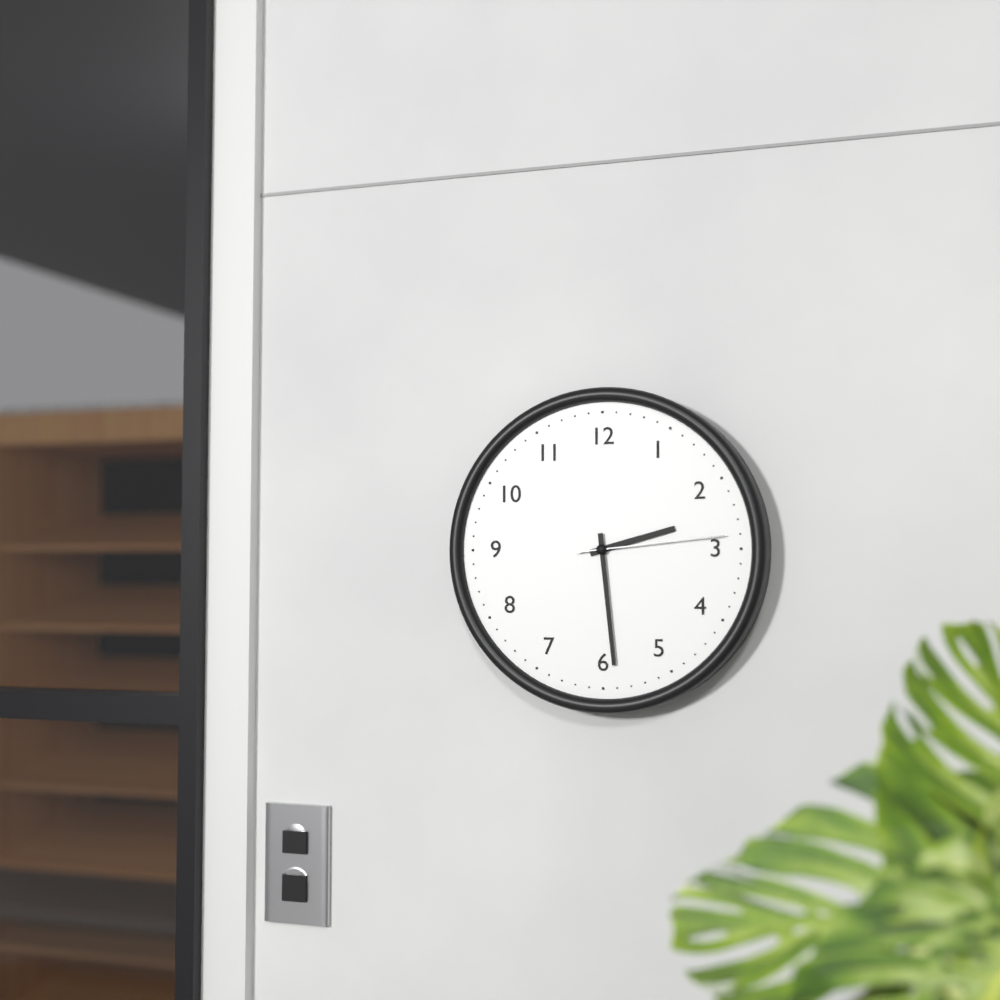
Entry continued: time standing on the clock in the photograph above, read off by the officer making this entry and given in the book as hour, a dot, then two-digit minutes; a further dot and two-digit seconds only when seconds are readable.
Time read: 2.29.14
